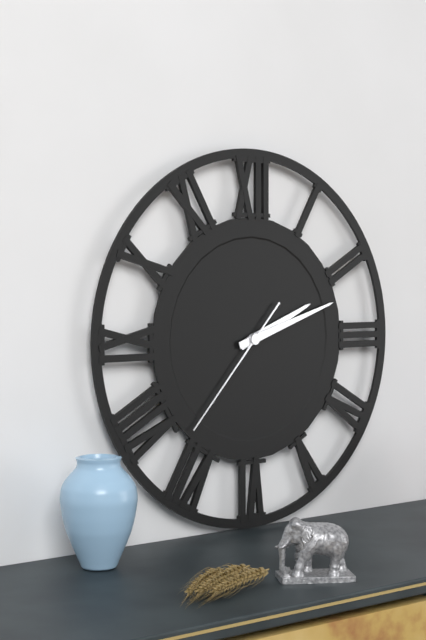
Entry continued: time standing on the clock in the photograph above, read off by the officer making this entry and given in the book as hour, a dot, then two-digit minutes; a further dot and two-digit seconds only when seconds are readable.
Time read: 2.12.37
